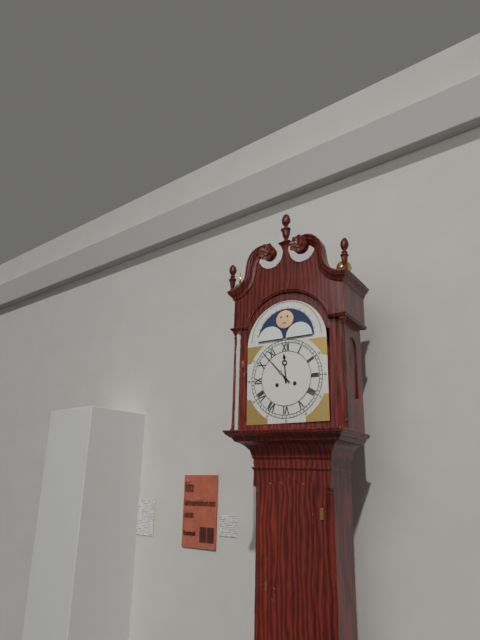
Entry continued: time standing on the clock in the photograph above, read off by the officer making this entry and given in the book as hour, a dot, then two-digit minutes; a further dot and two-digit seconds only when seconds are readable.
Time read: 11.53
